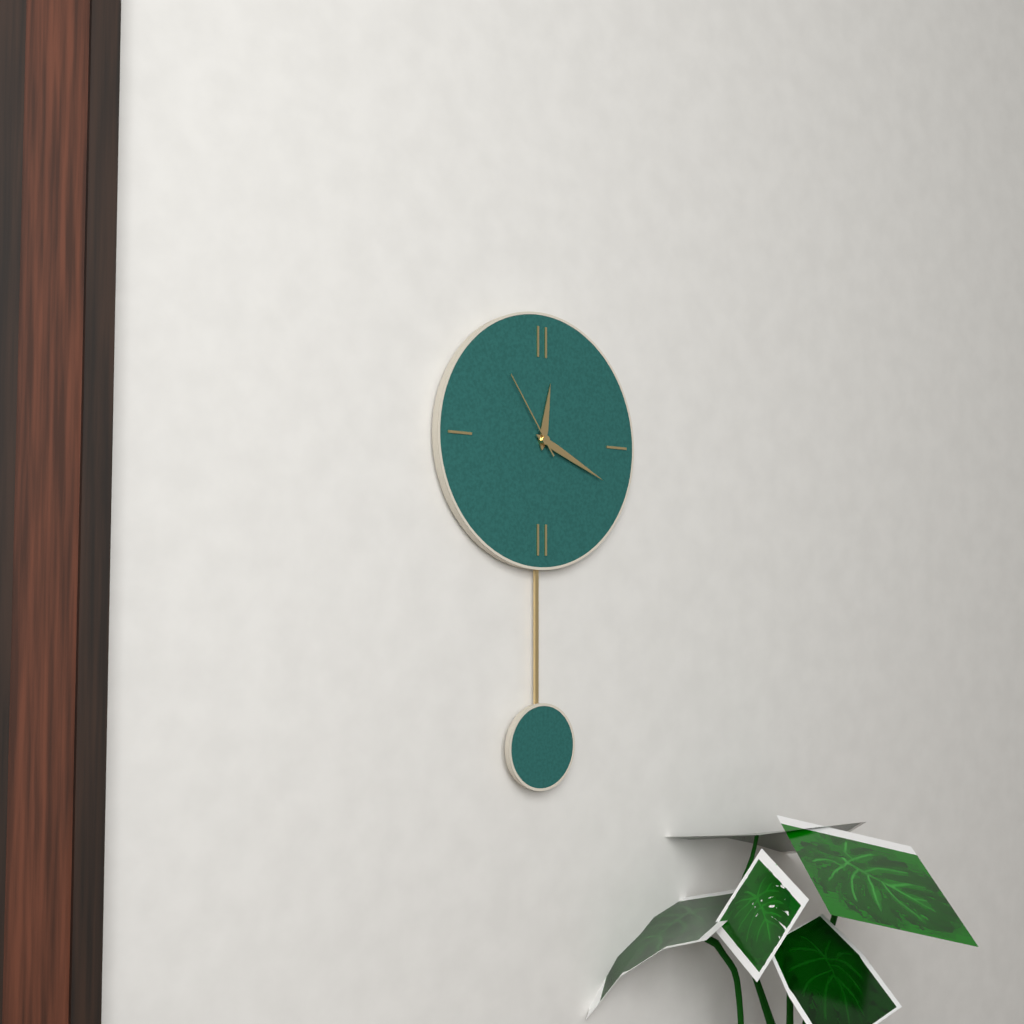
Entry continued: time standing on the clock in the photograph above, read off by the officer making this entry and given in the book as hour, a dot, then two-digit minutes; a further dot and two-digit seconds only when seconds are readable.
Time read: 12.19.54
